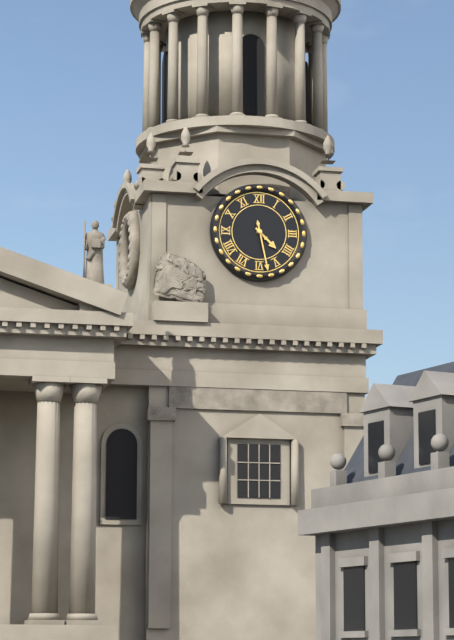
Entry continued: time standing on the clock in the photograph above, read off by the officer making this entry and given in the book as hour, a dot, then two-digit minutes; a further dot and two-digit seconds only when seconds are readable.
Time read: 4.28
